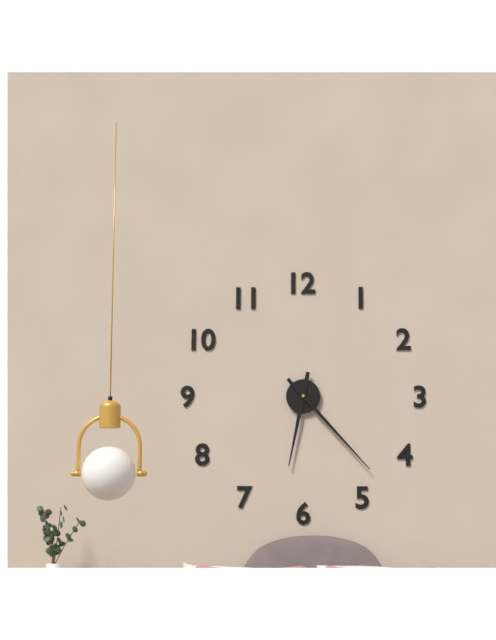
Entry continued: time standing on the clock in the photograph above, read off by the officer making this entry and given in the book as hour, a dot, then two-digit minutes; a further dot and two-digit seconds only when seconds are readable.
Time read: 6.23
